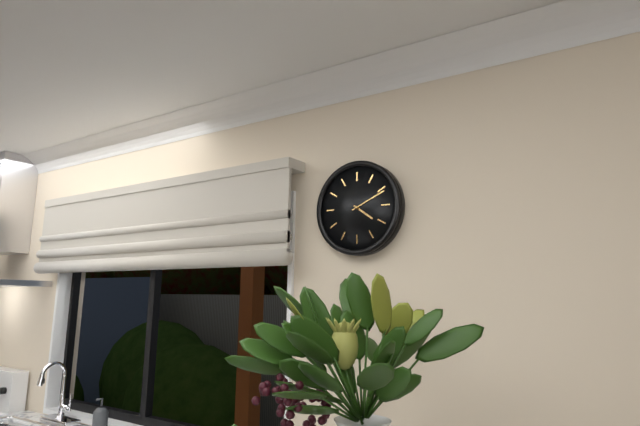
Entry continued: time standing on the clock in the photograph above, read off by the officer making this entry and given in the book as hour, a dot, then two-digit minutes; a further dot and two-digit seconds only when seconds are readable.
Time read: 4.11
